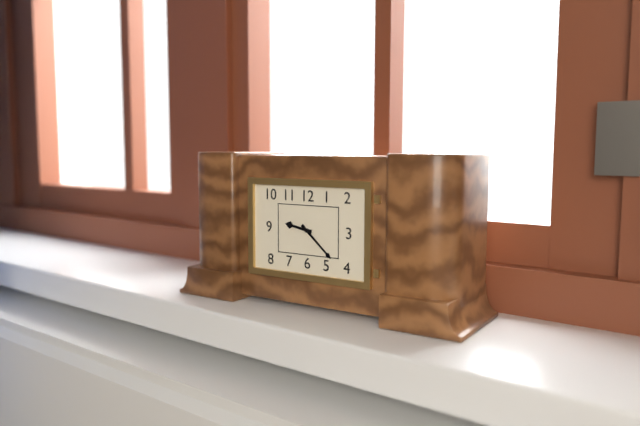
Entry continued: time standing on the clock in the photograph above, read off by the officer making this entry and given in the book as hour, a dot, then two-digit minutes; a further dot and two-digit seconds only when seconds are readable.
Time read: 9.22
